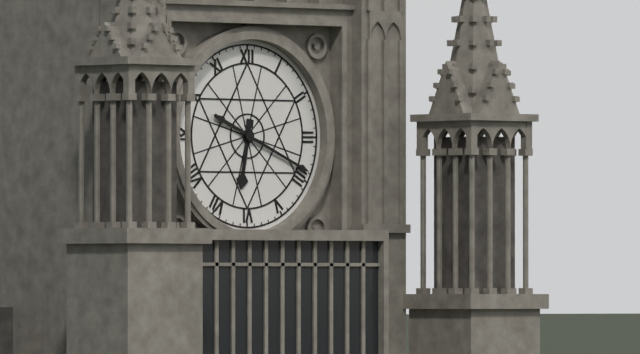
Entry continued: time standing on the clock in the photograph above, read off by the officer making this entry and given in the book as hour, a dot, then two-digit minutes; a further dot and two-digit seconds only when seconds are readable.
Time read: 6.19
